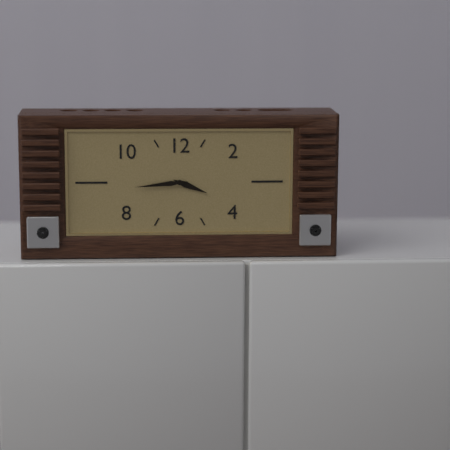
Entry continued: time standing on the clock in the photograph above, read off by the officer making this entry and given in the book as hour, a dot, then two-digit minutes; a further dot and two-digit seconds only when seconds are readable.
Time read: 3.44
